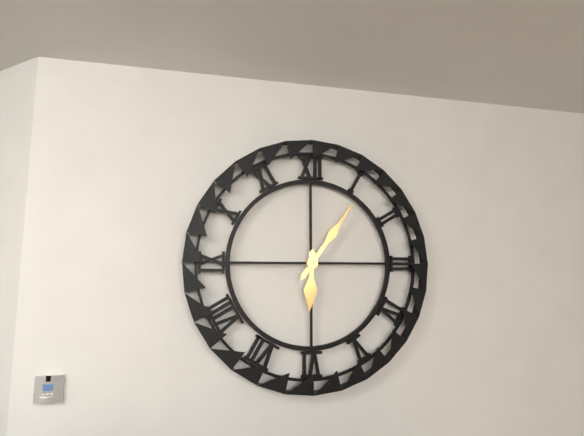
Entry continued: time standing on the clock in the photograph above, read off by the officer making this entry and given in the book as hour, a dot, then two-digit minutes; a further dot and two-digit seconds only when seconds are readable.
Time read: 6.06
